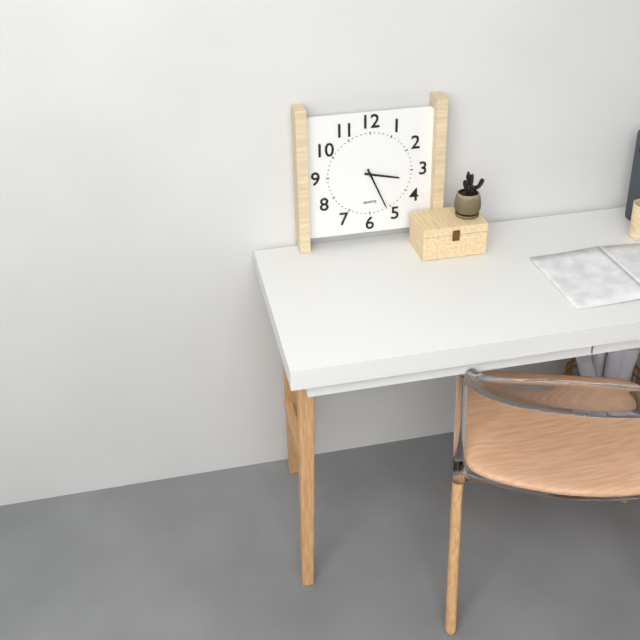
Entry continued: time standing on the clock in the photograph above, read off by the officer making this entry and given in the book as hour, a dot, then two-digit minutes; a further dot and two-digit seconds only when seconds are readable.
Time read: 3.26
